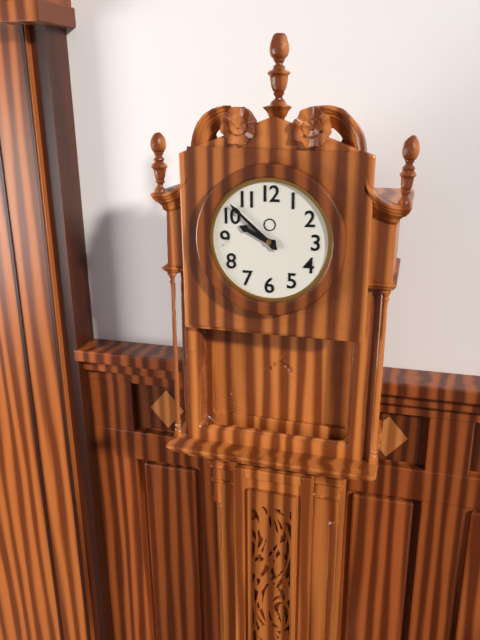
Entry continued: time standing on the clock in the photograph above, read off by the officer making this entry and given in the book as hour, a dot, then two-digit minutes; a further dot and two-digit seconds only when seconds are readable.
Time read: 9.52
